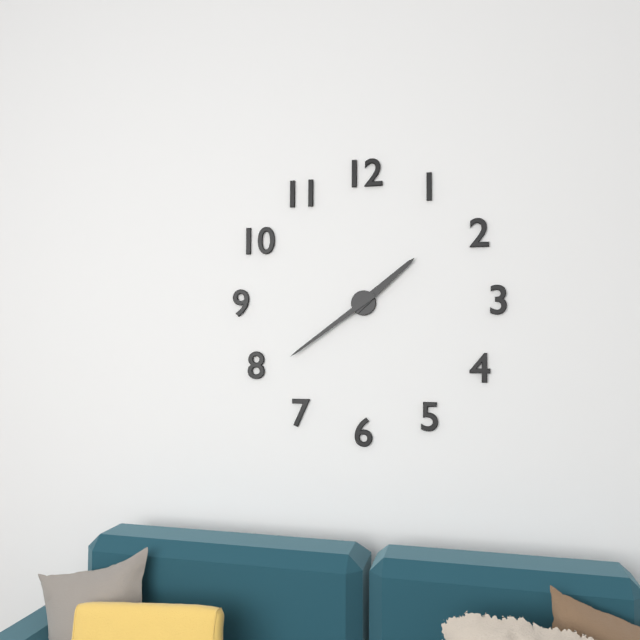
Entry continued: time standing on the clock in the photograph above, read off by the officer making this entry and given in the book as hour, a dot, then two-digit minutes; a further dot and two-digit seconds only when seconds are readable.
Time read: 1.39
